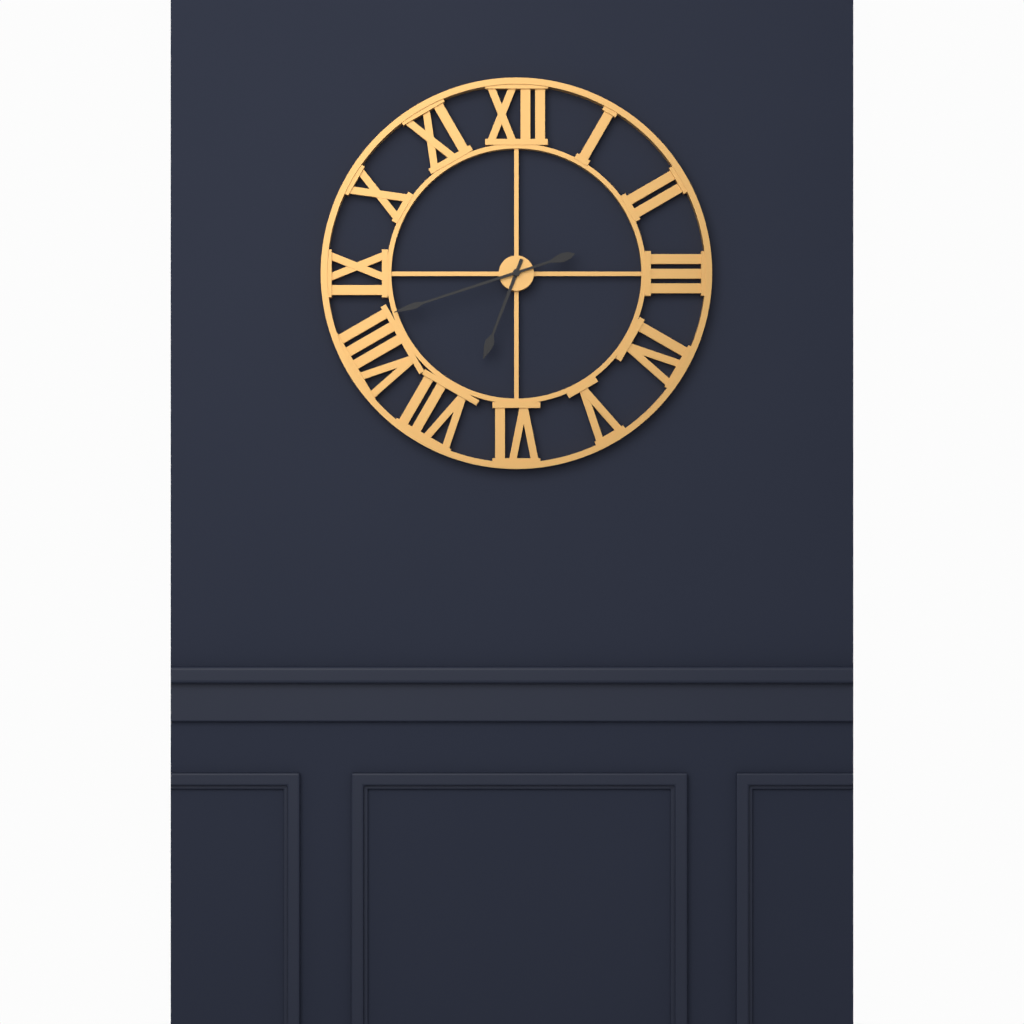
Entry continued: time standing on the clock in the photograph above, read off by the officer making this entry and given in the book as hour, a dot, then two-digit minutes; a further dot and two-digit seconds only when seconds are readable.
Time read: 6.42
